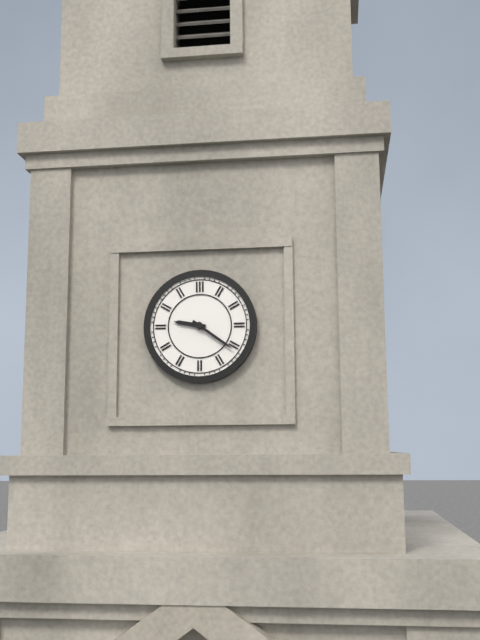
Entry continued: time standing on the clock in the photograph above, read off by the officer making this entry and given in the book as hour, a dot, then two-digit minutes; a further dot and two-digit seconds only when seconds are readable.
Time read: 9.21
